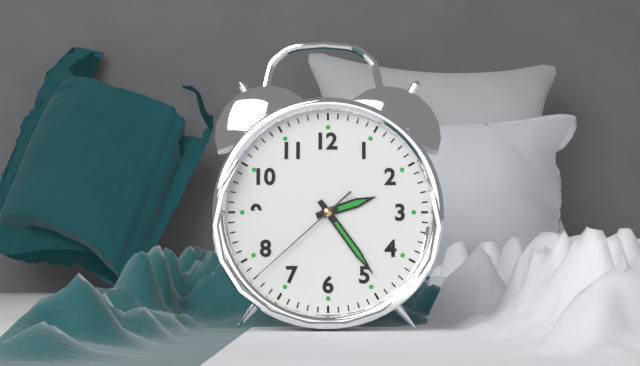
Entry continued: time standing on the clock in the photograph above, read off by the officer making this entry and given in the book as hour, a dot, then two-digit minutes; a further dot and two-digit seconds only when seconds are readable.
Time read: 2.24.38
